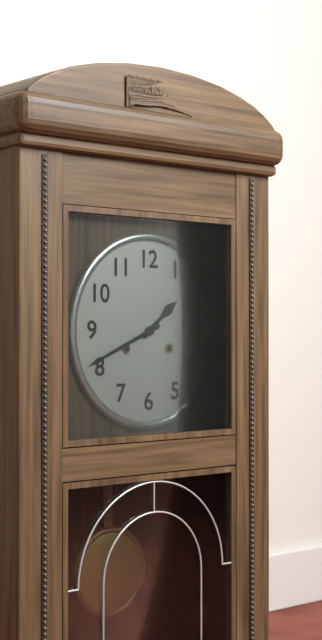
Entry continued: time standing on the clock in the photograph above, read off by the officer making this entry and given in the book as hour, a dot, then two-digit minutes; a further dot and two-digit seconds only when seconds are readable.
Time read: 1.41
